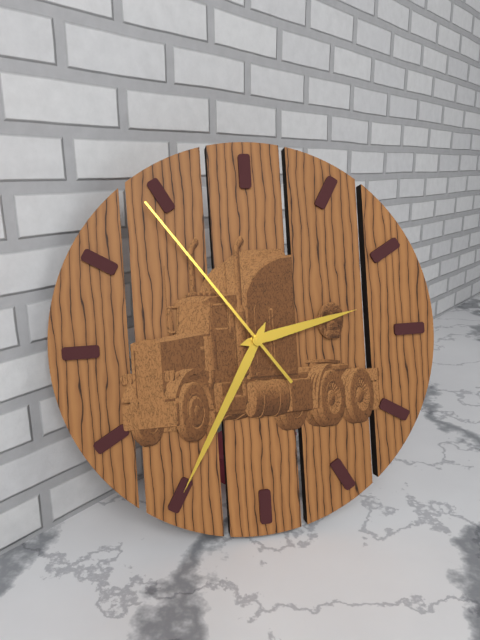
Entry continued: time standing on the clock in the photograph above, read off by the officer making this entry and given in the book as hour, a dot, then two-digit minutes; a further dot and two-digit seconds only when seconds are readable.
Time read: 2.35.54
